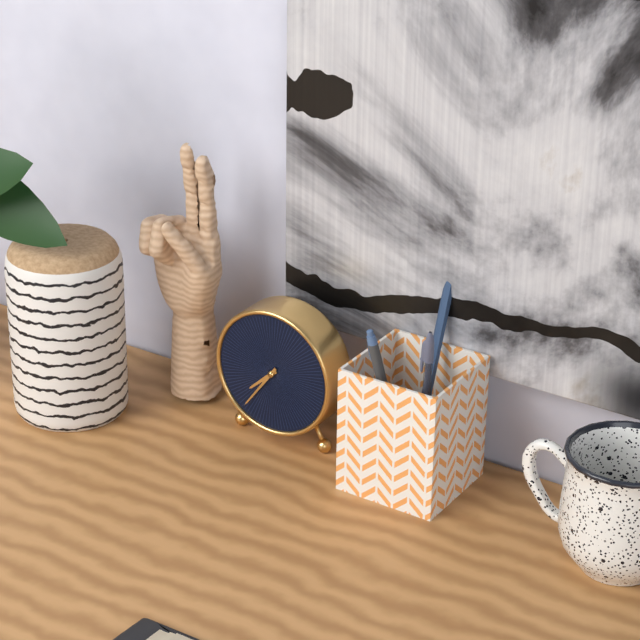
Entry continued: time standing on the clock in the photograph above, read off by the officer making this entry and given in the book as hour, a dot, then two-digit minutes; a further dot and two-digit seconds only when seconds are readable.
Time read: 7.36
